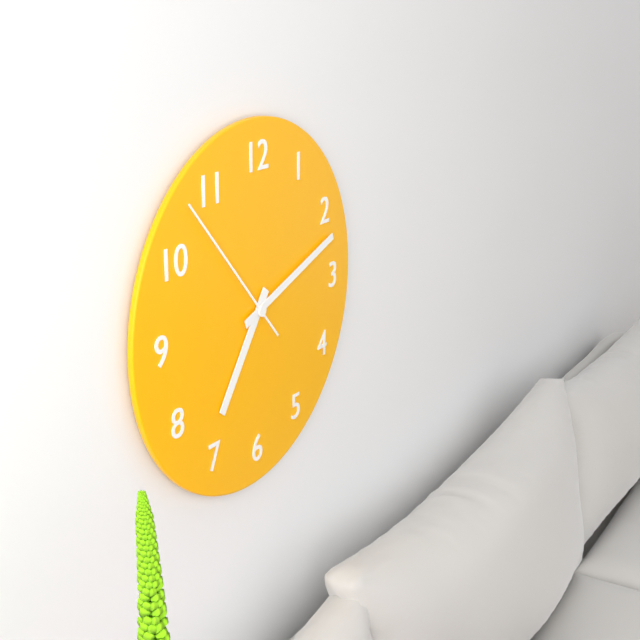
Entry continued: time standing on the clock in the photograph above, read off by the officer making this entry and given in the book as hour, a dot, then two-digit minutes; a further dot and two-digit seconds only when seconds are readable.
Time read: 7.12.53
